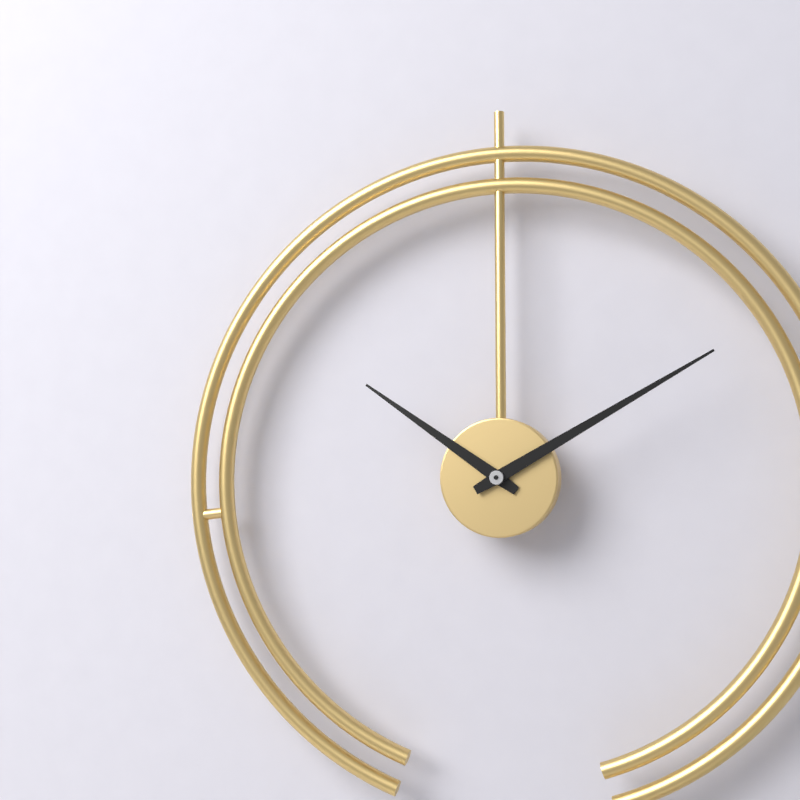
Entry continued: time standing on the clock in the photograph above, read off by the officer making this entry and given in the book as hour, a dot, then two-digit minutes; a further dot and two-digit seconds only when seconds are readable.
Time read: 10.10
